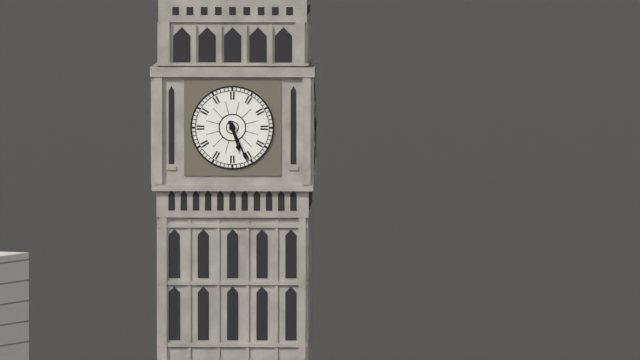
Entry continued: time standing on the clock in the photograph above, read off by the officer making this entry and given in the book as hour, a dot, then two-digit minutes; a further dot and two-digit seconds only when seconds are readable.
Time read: 5.26
